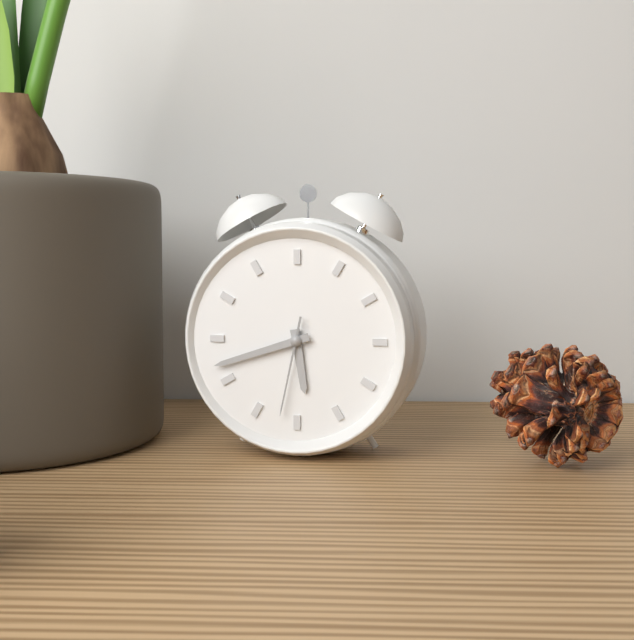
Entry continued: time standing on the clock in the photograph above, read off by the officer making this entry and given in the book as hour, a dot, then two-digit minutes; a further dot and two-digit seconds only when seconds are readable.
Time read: 5.42.32
